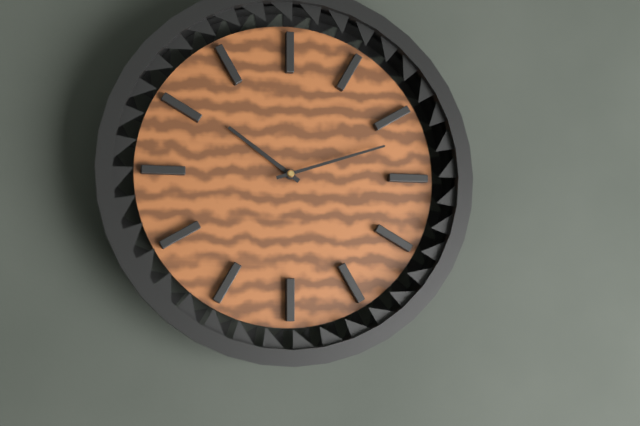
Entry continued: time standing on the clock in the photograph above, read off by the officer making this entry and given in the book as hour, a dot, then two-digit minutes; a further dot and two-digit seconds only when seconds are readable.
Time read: 10.12
